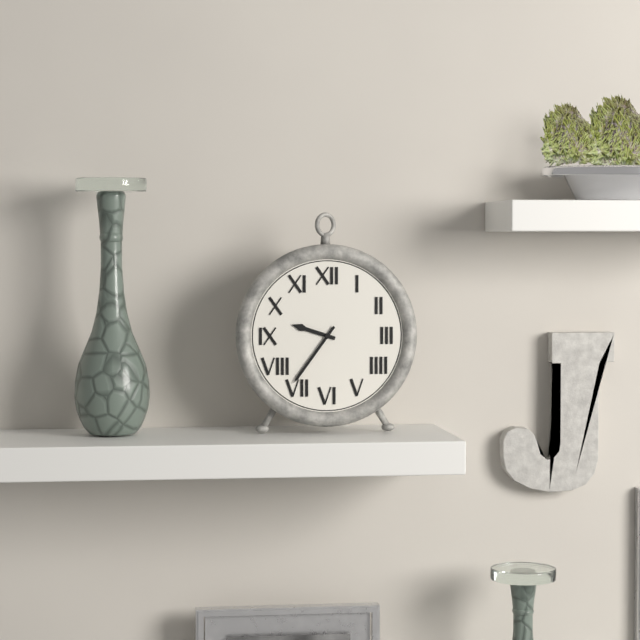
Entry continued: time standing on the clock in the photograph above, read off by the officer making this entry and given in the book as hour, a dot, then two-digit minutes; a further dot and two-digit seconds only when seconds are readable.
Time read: 9.36
